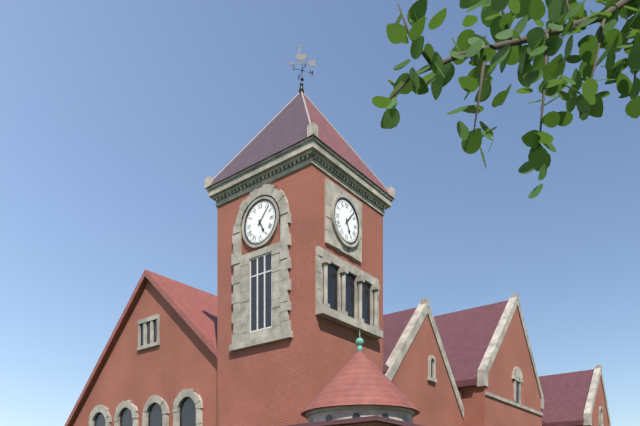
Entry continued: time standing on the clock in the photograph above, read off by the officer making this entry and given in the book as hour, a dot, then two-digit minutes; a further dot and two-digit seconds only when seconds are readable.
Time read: 5.07
